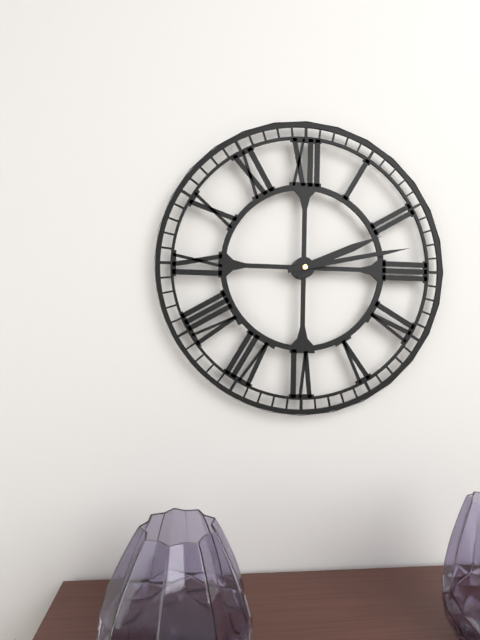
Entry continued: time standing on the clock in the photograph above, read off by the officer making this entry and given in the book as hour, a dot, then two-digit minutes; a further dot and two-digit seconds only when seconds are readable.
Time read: 2.13
